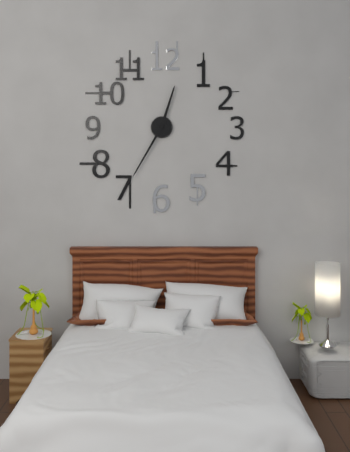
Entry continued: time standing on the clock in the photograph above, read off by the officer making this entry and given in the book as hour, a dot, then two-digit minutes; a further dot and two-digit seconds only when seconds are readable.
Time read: 12.35
